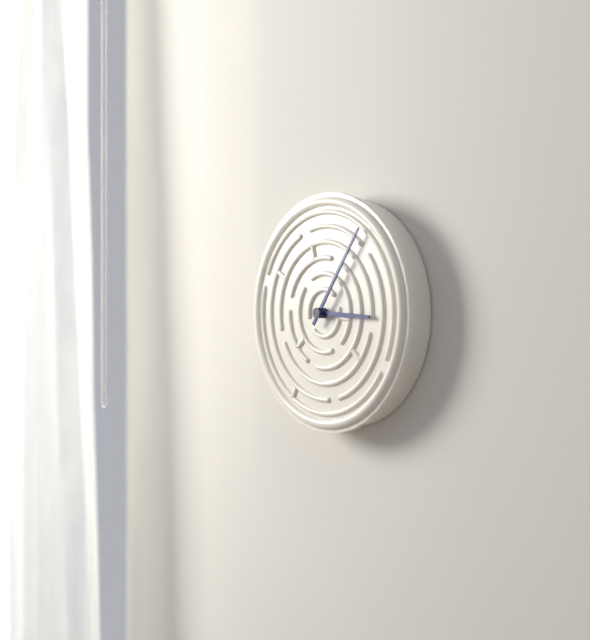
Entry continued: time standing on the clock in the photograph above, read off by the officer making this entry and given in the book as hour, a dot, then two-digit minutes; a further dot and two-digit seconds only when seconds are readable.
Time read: 3.06
